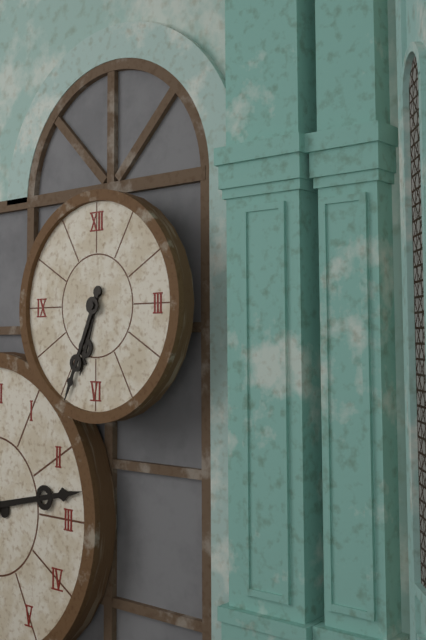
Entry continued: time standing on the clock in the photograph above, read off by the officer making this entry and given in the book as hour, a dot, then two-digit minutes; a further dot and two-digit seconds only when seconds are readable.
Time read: 6.34
